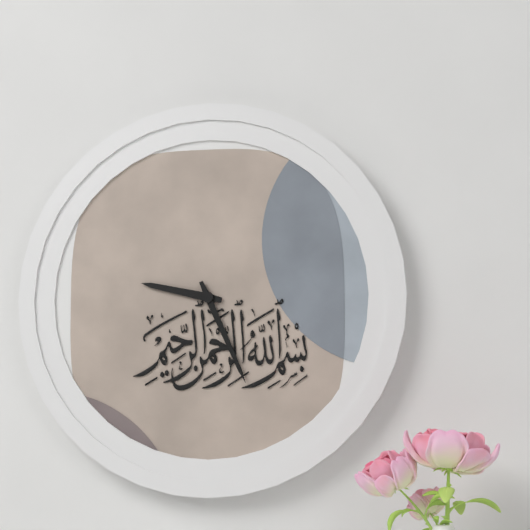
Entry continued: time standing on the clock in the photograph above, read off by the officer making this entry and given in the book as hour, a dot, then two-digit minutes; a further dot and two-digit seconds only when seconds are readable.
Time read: 9.26
